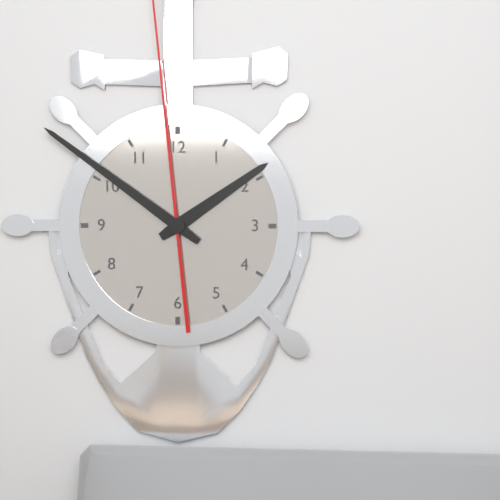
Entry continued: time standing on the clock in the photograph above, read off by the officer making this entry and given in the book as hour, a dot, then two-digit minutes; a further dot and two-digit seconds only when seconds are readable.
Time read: 1.51
